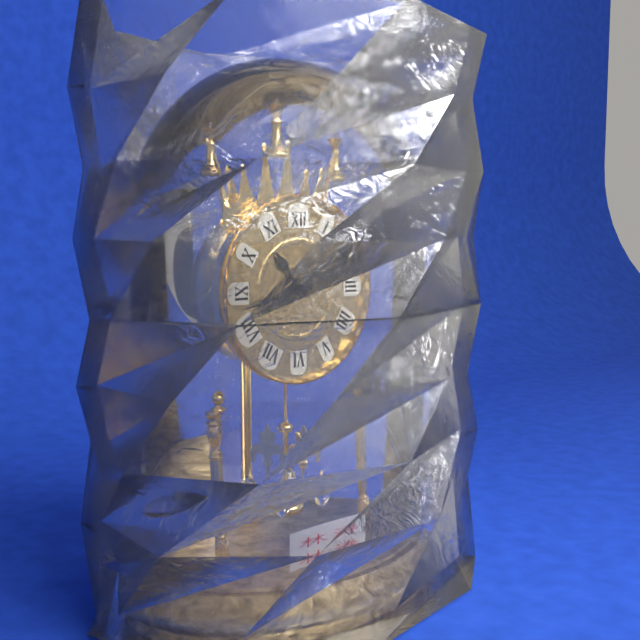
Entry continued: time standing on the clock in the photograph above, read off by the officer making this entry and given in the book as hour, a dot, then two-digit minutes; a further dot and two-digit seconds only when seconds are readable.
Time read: 10.43
